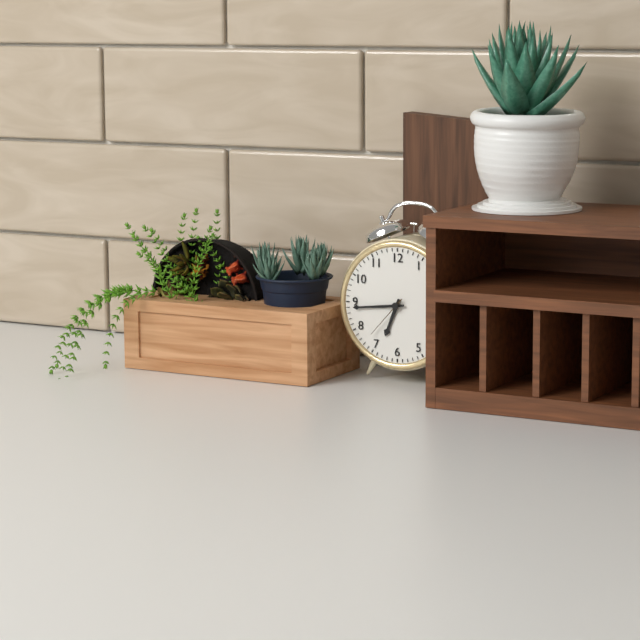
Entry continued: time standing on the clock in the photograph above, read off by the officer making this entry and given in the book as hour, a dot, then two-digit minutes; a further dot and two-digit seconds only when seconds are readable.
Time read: 6.44
